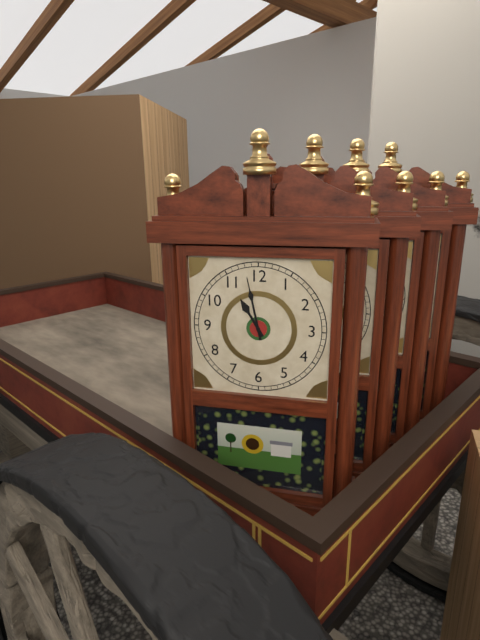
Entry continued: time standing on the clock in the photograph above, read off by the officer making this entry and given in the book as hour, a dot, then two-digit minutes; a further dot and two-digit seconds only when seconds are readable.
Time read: 10.58
